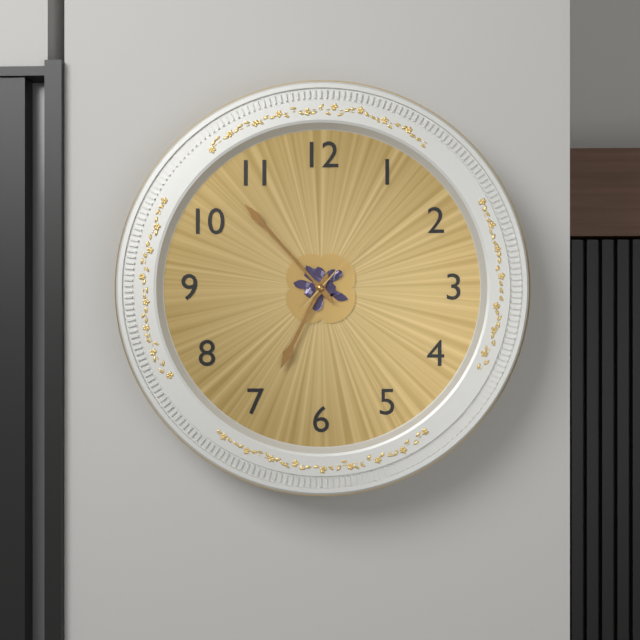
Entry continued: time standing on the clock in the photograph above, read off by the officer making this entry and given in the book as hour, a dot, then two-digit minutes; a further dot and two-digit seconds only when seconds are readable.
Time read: 6.53.07
